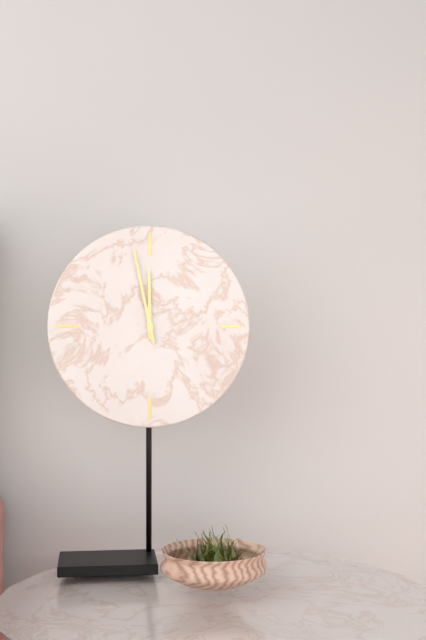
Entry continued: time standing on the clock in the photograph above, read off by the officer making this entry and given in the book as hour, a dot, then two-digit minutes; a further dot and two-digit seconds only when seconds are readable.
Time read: 11.58
